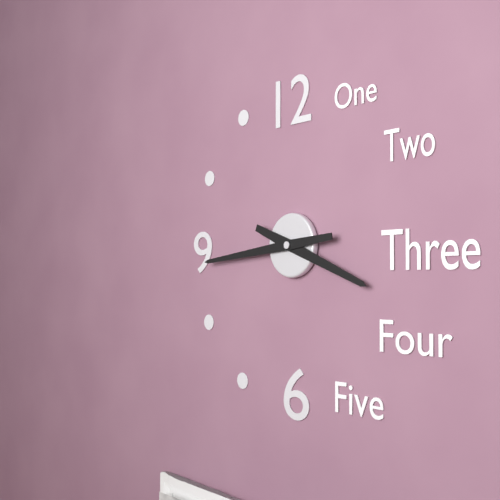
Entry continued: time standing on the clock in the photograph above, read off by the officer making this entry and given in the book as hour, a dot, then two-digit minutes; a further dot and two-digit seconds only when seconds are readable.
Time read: 3.44
